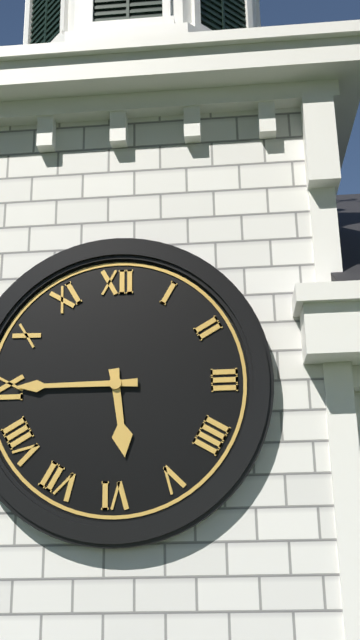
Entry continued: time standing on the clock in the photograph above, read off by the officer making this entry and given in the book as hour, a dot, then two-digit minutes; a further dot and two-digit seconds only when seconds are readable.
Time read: 5.45
